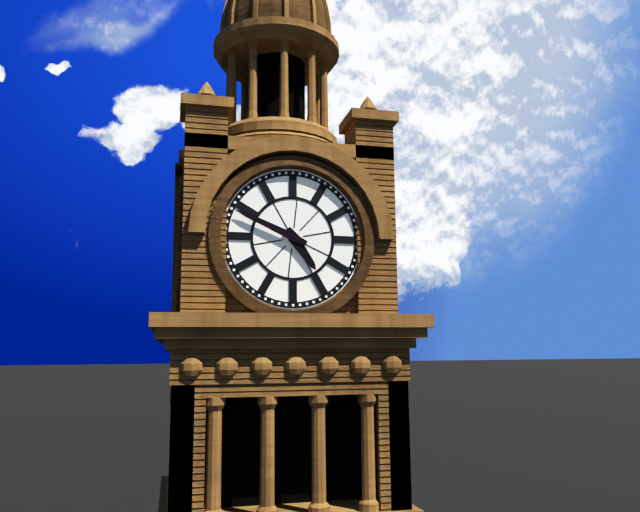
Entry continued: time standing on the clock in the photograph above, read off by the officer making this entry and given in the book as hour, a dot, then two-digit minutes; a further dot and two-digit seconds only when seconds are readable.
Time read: 4.49
